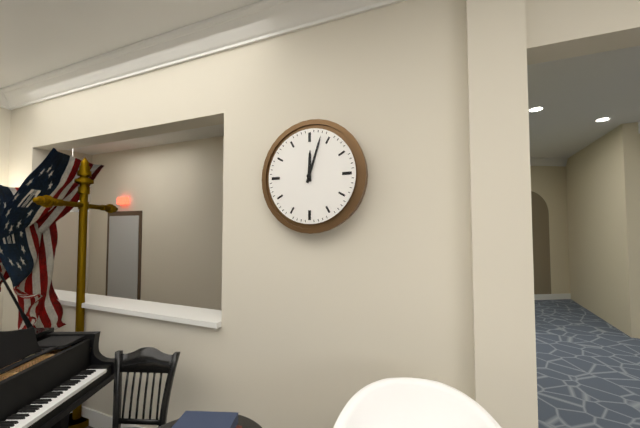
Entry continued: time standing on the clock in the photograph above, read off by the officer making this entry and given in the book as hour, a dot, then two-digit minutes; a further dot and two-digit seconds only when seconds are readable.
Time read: 12.03
